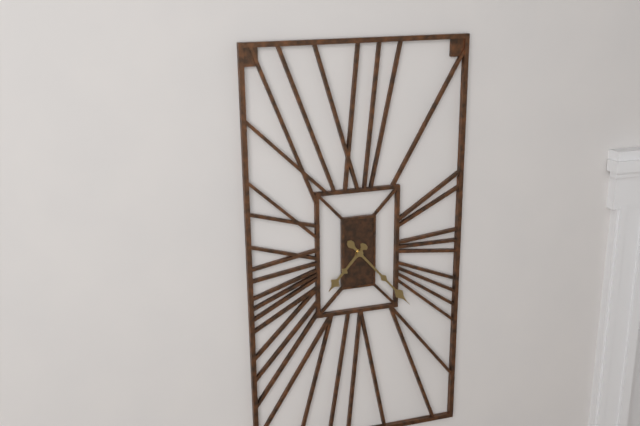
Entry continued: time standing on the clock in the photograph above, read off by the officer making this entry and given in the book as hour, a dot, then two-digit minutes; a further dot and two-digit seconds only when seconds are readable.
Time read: 7.23
